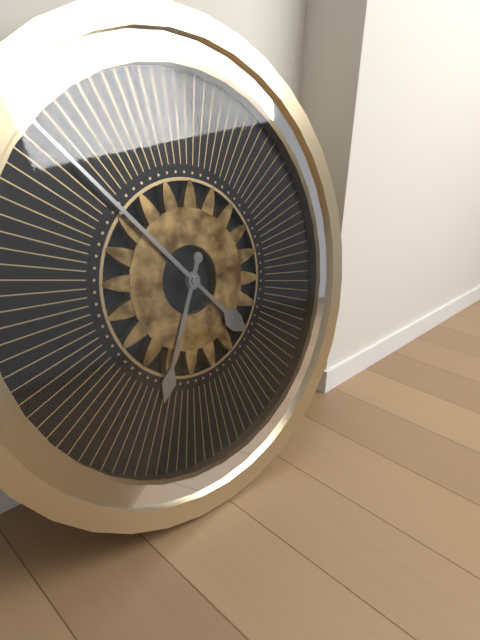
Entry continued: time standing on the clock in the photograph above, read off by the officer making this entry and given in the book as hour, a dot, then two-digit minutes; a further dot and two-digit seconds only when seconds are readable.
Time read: 6.53
